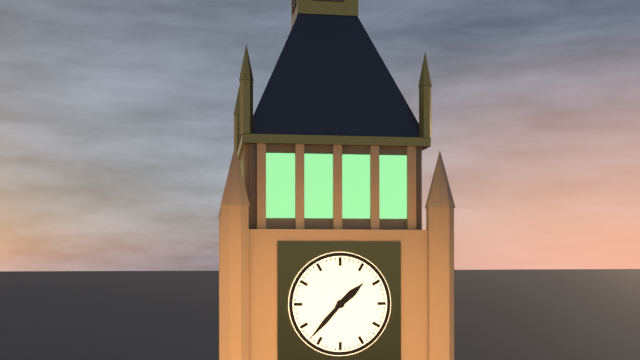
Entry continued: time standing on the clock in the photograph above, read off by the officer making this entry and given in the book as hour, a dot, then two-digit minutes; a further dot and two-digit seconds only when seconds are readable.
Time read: 1.37
